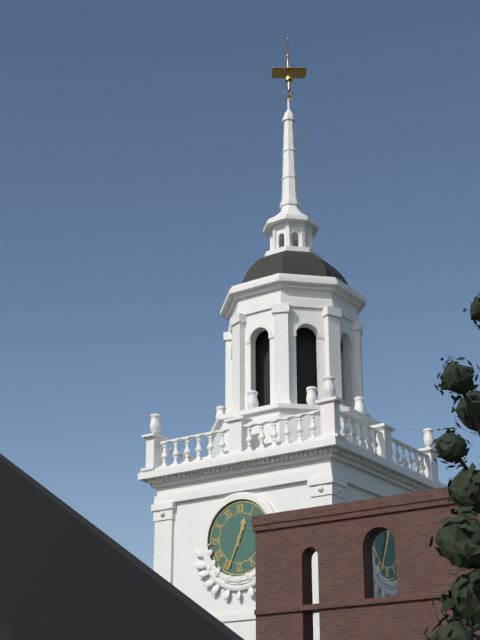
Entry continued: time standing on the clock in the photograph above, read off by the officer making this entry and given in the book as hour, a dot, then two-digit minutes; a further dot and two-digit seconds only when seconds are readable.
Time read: 12.34
